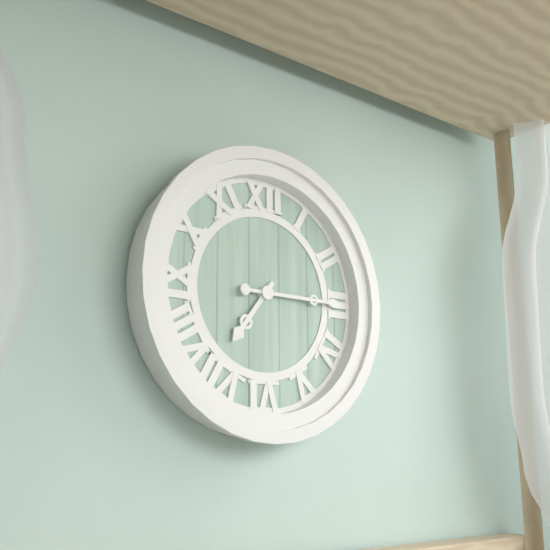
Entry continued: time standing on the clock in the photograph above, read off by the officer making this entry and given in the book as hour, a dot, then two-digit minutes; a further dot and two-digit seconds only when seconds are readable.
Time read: 7.15
